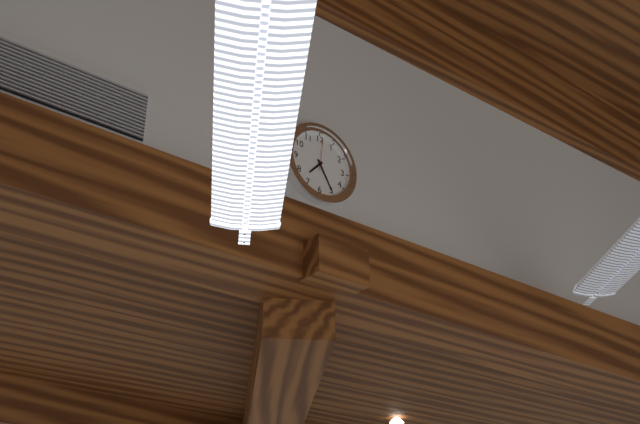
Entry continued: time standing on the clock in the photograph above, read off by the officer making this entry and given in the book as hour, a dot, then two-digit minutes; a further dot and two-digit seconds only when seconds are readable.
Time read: 7.25
